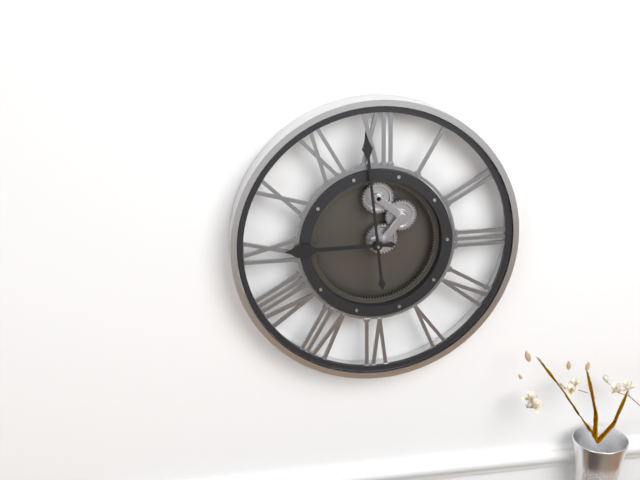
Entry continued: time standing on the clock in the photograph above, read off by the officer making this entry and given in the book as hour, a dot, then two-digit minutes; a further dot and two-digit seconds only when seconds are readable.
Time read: 8.59
